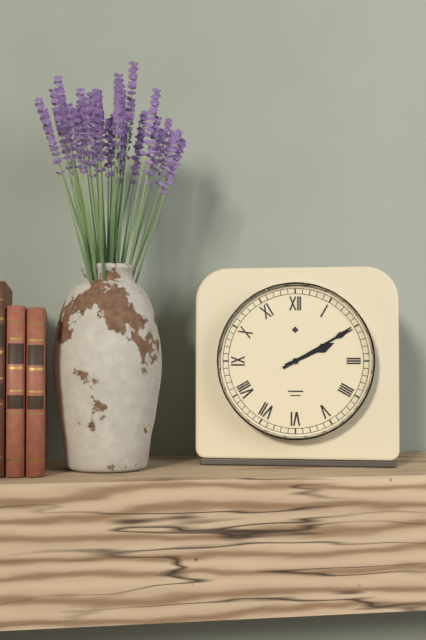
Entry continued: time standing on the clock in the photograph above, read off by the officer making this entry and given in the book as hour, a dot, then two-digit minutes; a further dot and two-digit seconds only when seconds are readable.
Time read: 2.10
